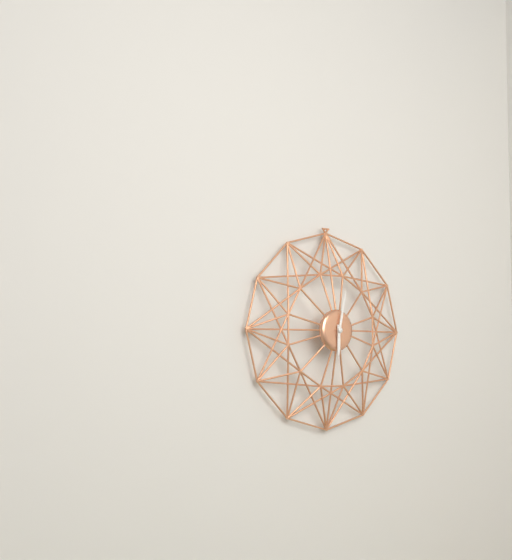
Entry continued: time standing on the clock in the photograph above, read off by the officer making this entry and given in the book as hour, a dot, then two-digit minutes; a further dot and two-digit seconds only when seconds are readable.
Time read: 6.02
